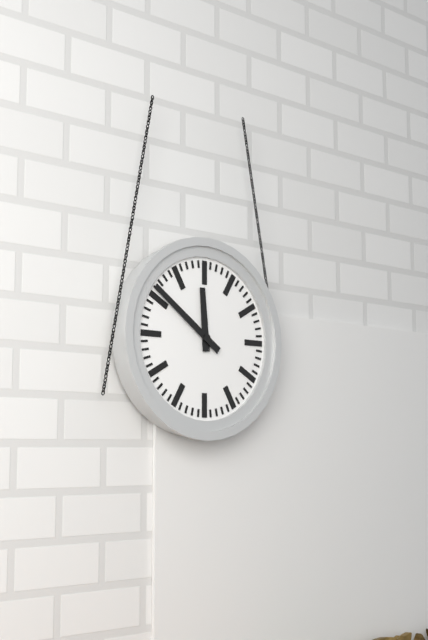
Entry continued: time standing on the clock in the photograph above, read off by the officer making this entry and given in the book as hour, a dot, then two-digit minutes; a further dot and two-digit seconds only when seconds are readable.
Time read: 11.51
